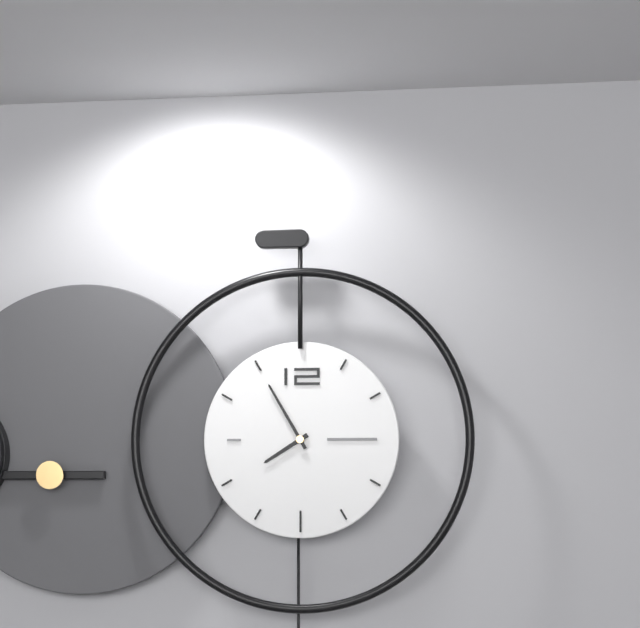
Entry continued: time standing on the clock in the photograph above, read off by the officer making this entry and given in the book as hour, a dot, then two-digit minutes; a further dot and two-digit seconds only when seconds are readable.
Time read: 7.55
